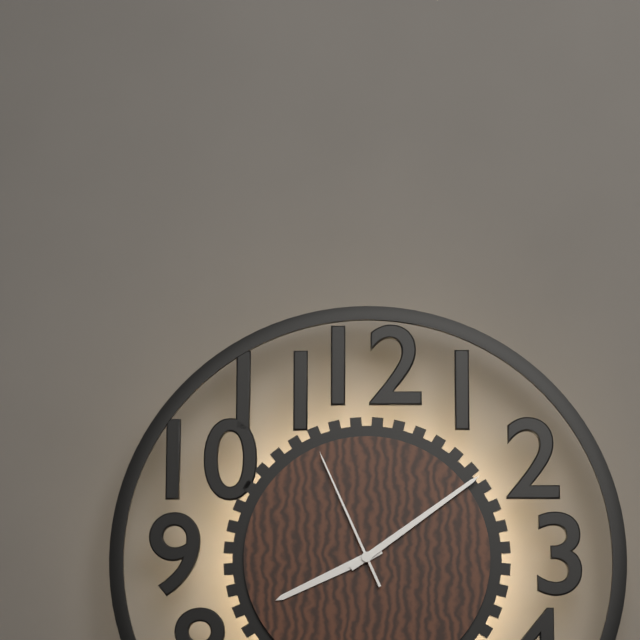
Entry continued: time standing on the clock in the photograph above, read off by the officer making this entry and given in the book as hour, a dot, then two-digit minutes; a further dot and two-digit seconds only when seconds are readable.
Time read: 8.09.56
